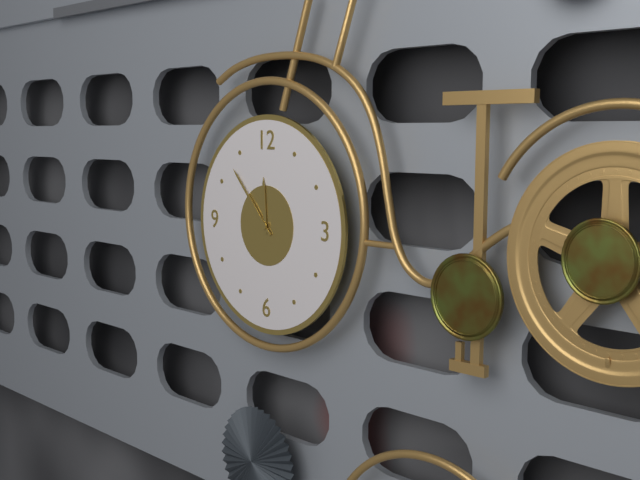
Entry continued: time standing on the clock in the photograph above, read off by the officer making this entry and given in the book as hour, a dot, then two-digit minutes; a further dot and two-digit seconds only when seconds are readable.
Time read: 11.53
